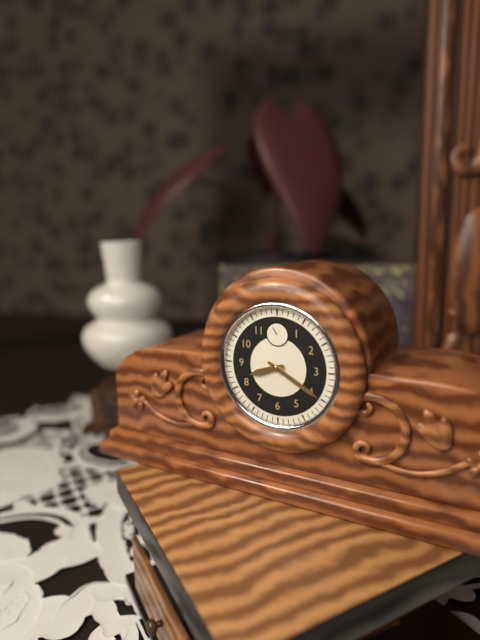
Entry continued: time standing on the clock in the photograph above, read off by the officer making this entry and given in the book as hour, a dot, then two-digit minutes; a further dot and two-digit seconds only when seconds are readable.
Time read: 8.20
